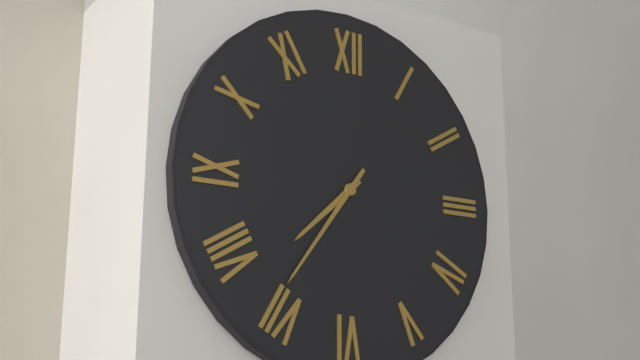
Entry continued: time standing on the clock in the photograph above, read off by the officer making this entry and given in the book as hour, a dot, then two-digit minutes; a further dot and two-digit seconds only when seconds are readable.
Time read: 7.36
